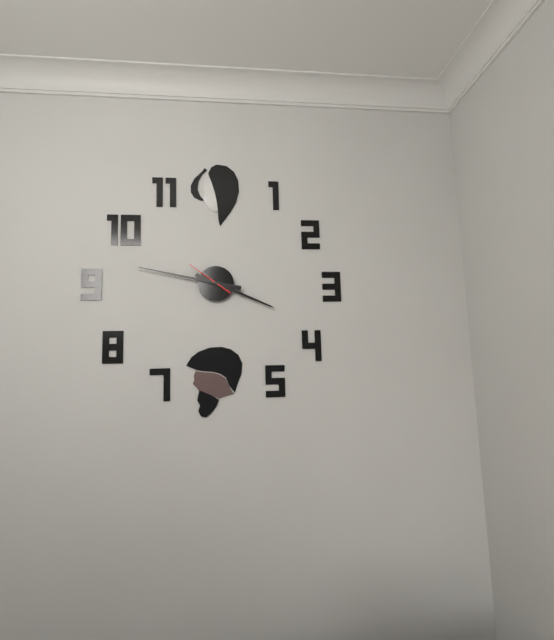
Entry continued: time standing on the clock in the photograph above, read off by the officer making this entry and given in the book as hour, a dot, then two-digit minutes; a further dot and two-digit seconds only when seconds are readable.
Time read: 3.47
